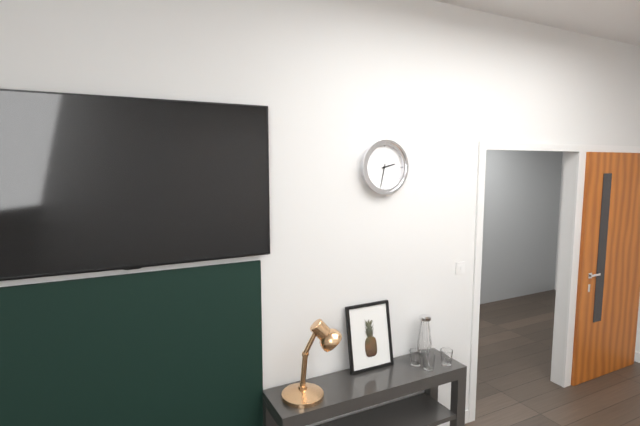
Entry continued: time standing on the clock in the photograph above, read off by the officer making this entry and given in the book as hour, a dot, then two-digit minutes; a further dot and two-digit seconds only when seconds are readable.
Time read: 2.32
